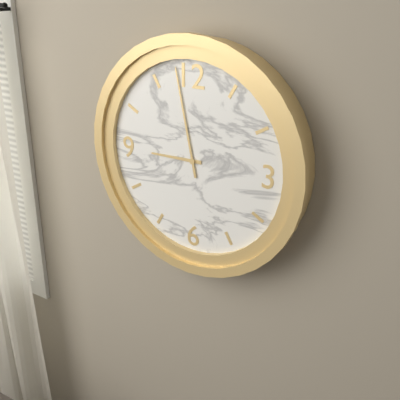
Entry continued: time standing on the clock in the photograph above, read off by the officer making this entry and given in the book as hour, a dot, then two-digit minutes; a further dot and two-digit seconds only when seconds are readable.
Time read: 8.58
